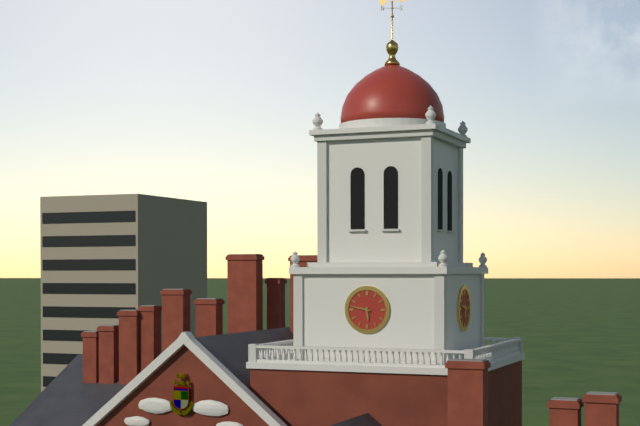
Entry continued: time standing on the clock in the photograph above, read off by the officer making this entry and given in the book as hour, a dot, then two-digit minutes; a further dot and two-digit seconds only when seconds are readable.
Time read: 5.47
